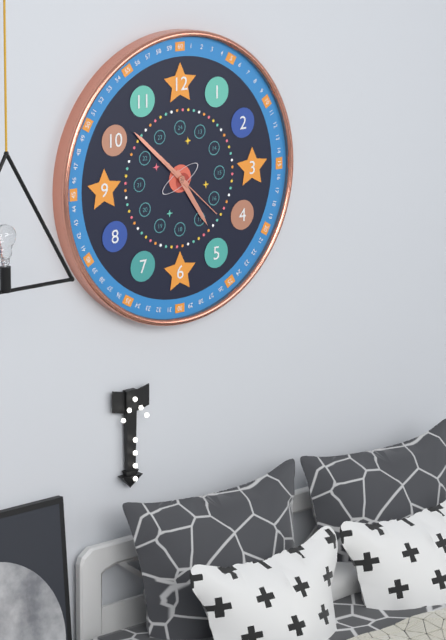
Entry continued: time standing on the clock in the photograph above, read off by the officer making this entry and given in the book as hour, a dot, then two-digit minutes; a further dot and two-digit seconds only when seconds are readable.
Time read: 4.52.22
